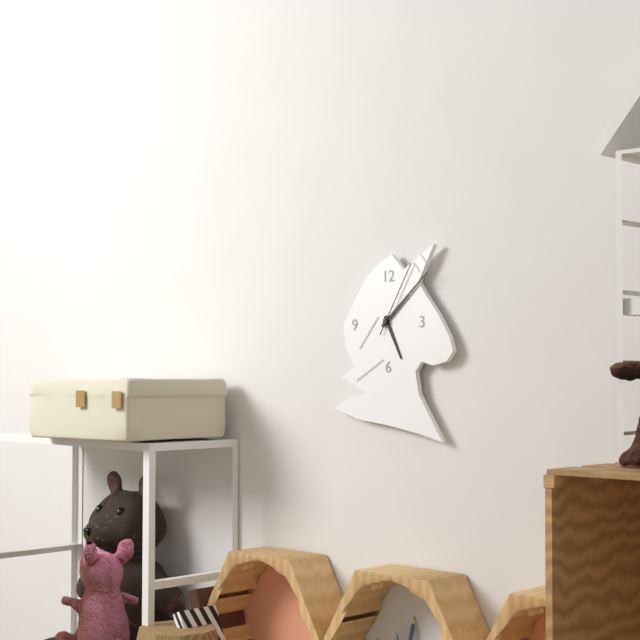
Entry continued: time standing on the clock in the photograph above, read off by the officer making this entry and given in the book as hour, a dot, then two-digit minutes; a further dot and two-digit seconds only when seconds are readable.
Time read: 5.08.05
